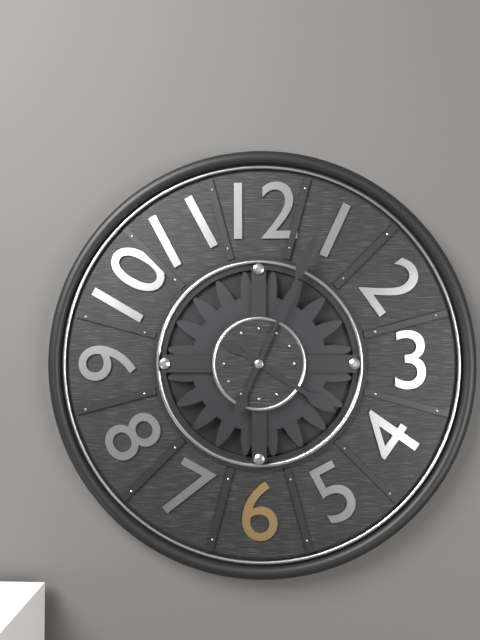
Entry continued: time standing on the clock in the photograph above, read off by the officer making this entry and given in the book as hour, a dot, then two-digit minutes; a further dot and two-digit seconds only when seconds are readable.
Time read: 4.04
